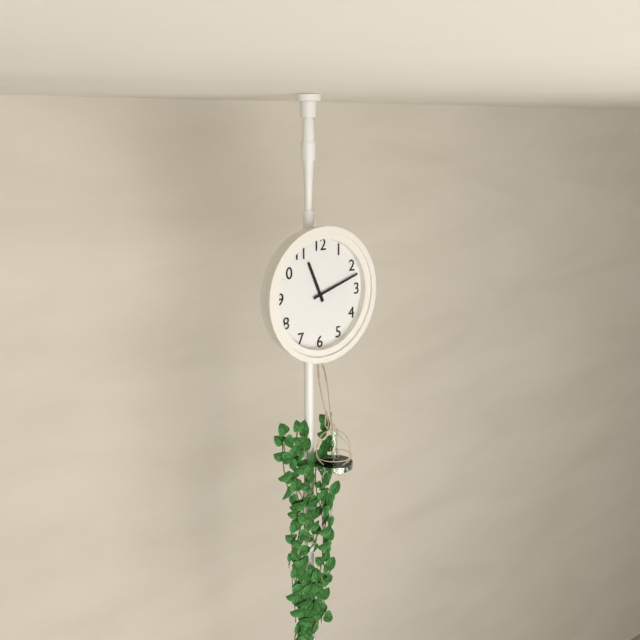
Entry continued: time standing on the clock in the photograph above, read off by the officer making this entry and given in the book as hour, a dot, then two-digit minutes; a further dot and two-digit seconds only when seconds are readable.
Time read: 11.12
